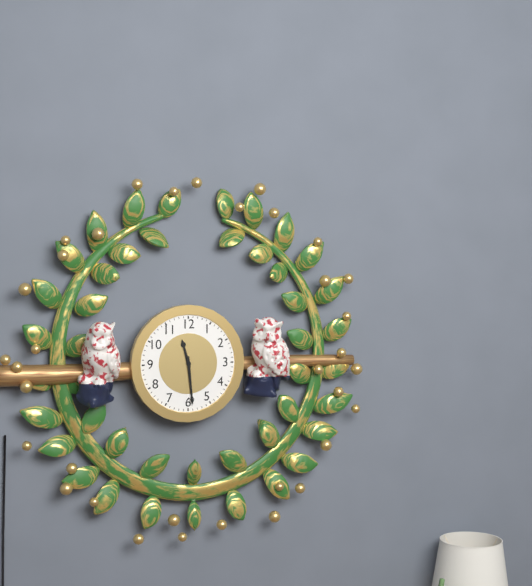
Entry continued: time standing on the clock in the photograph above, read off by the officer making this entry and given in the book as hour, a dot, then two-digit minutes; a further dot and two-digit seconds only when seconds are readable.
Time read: 11.29
